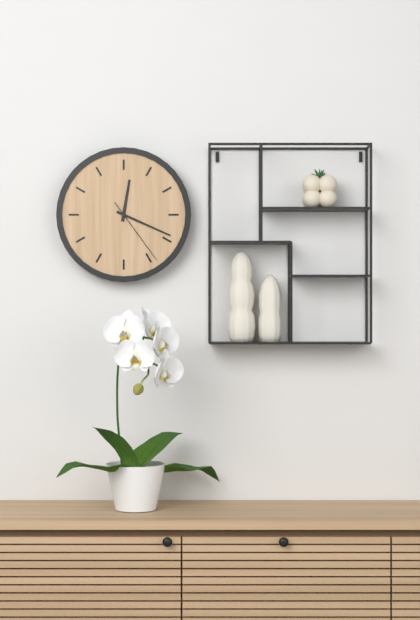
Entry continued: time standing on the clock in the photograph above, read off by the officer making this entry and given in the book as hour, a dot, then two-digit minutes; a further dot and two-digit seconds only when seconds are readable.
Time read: 12.19.24
